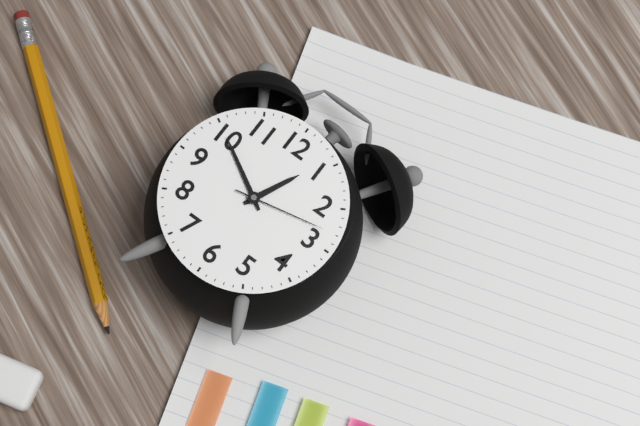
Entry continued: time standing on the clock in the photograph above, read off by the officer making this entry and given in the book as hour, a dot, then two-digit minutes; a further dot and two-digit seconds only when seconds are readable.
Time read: 12.50.13
